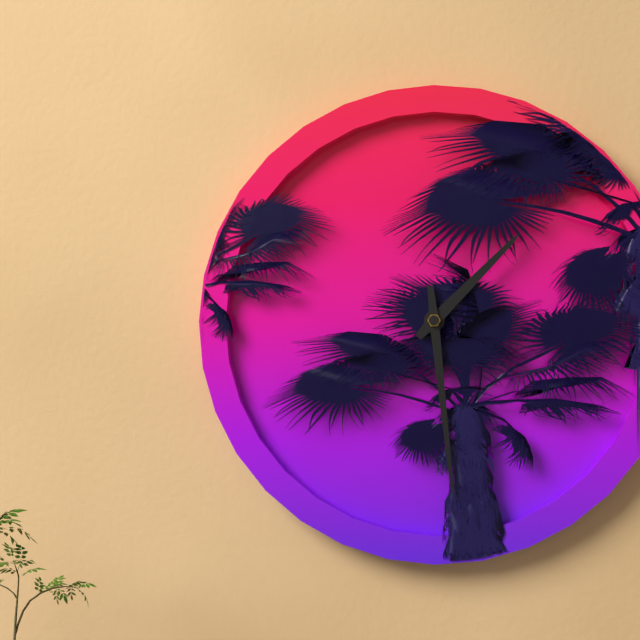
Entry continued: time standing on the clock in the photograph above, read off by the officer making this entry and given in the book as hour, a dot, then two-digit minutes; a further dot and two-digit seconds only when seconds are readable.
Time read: 1.29
